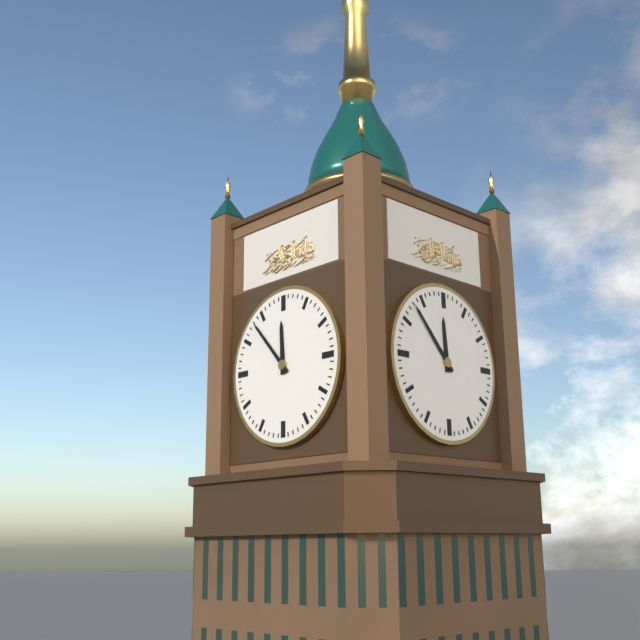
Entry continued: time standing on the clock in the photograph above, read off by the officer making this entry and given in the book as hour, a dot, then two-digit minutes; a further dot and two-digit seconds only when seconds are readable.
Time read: 11.53
